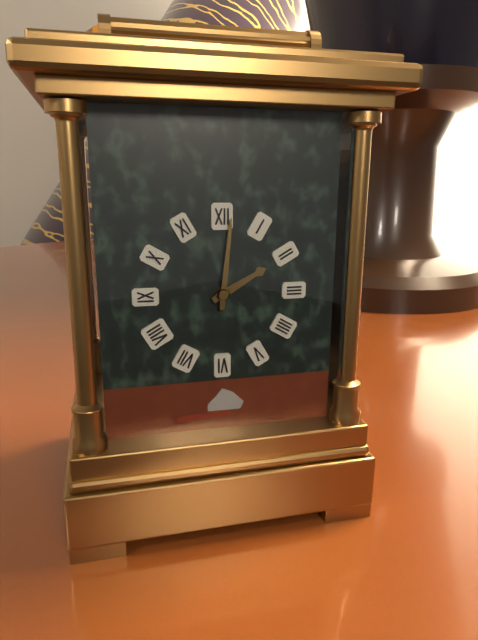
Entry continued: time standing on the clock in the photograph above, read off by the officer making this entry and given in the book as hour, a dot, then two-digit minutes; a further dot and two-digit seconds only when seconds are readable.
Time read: 2.01
